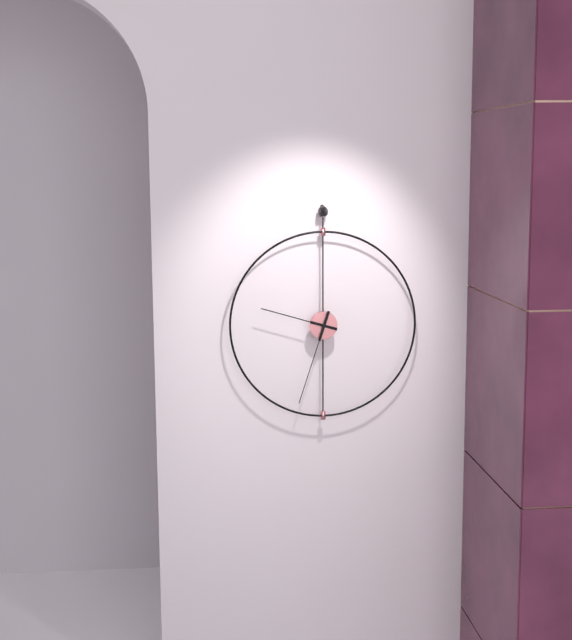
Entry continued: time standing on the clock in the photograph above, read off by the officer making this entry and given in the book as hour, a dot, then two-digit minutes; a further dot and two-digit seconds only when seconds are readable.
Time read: 9.33
